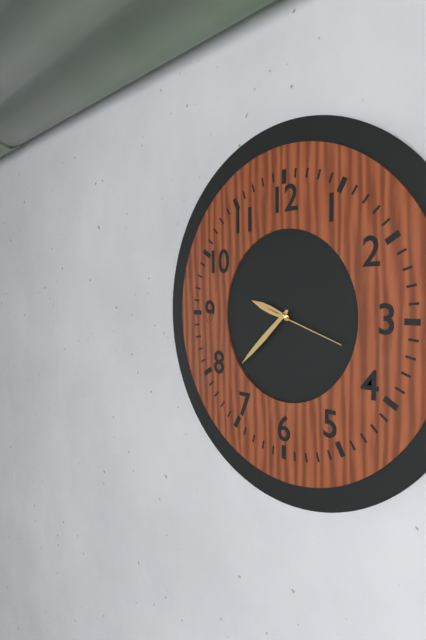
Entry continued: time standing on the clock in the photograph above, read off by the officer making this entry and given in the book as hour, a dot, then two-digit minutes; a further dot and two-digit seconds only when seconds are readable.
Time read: 9.38.18
